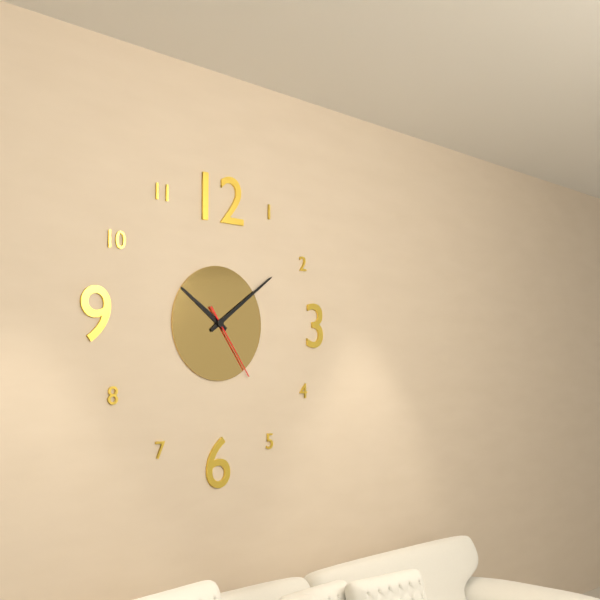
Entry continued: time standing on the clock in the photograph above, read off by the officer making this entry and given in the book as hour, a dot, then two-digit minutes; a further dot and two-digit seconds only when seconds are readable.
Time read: 10.09.24
